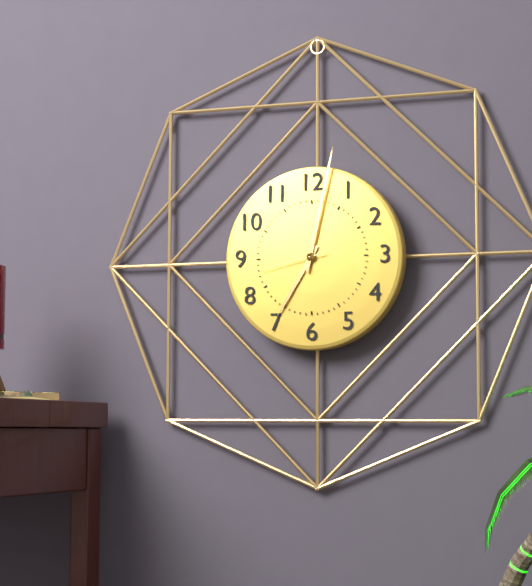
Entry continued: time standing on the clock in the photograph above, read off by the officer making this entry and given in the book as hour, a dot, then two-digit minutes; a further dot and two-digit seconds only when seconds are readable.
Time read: 7.02.43
